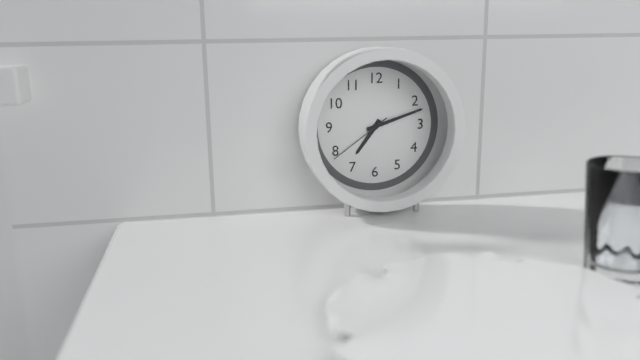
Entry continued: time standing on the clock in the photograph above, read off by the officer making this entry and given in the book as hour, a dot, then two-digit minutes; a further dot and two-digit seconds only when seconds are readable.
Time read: 7.12.39
